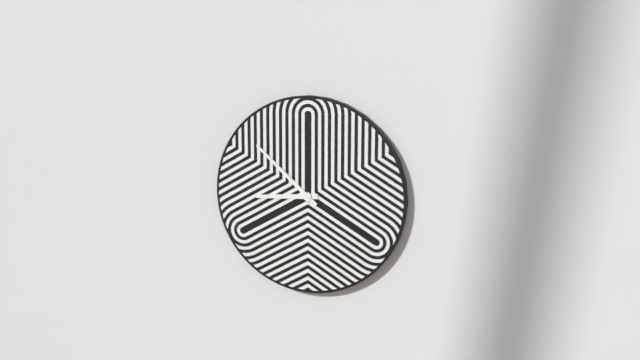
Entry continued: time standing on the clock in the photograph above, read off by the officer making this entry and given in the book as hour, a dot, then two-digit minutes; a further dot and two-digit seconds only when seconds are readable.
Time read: 8.52
